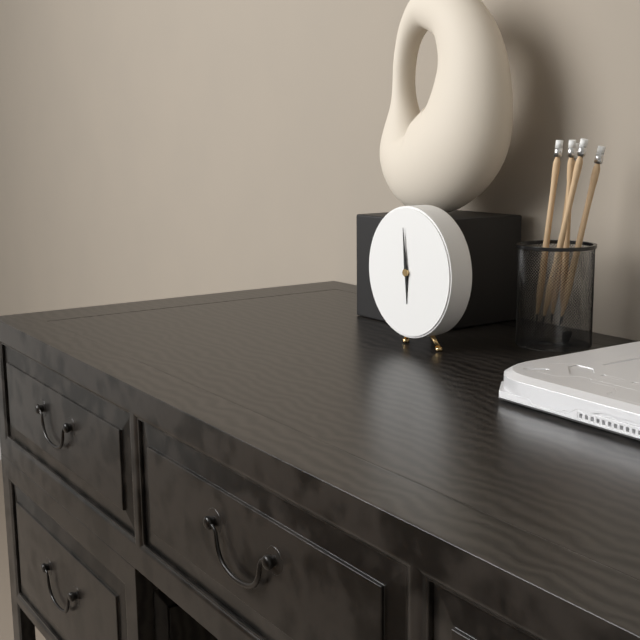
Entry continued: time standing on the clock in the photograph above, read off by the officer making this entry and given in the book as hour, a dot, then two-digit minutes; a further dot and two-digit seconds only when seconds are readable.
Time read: 5.59
